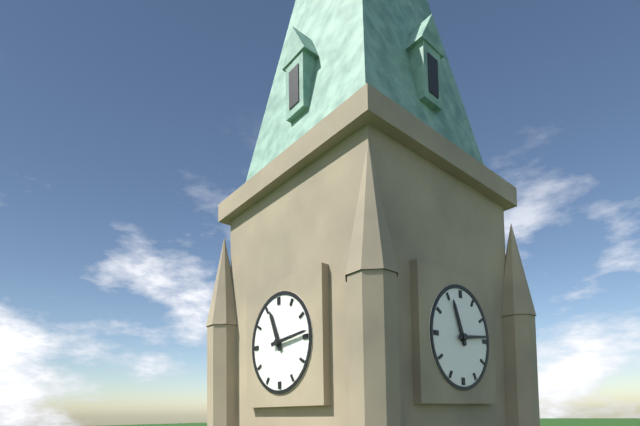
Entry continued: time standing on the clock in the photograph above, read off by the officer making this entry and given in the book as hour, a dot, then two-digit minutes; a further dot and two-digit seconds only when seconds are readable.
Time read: 11.14
